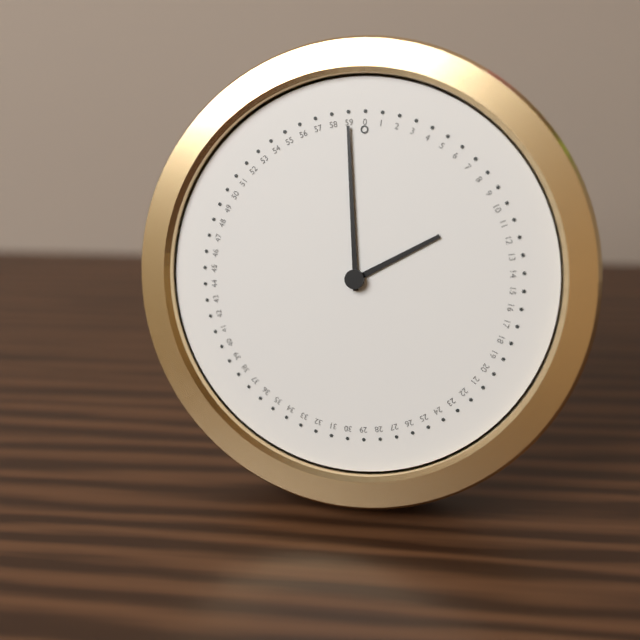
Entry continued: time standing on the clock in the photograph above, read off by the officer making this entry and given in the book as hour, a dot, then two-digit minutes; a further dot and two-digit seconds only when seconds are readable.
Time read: 1.59
